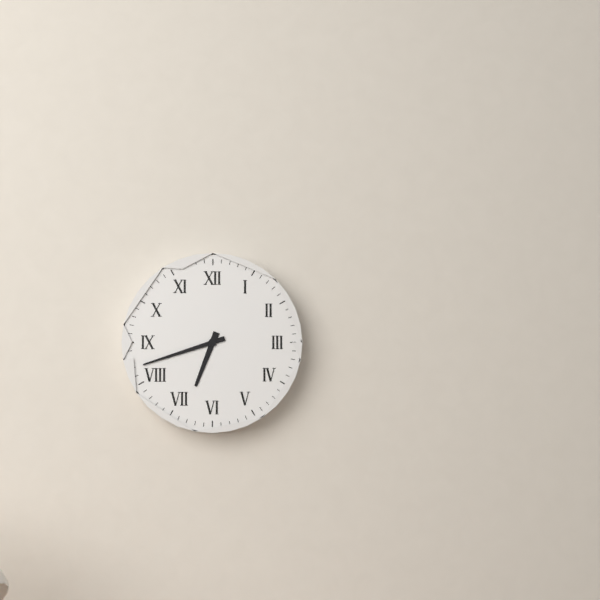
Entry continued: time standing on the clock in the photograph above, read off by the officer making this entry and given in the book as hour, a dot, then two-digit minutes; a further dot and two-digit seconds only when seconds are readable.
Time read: 6.42
